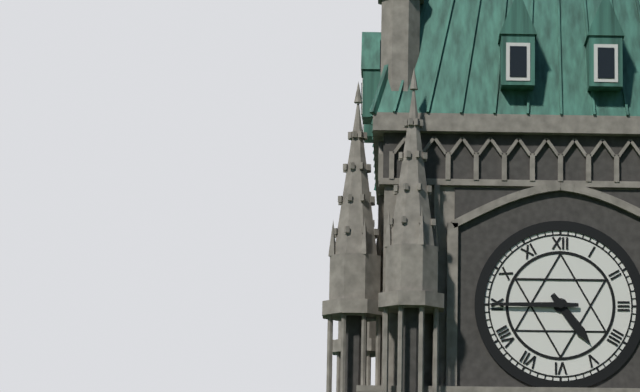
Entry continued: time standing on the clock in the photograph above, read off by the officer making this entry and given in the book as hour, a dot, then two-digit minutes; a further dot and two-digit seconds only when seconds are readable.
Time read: 4.45
